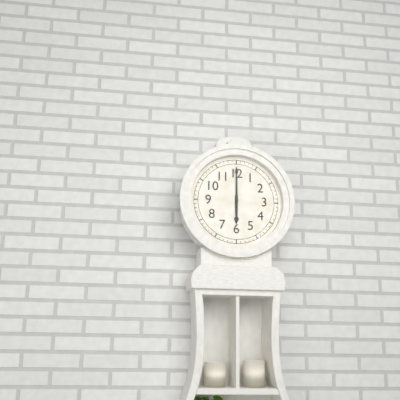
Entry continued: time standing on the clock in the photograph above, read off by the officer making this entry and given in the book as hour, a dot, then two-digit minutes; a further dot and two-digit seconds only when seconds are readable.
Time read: 6.00
